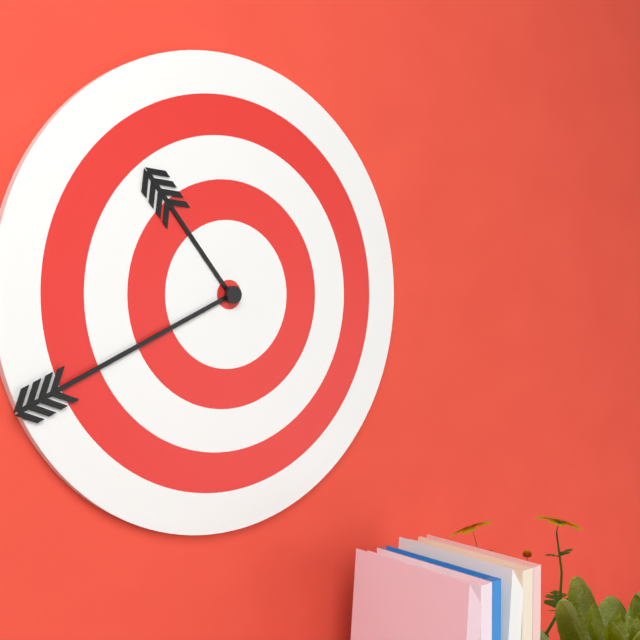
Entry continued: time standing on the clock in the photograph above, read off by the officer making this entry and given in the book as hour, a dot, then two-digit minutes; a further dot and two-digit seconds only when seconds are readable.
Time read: 10.41
